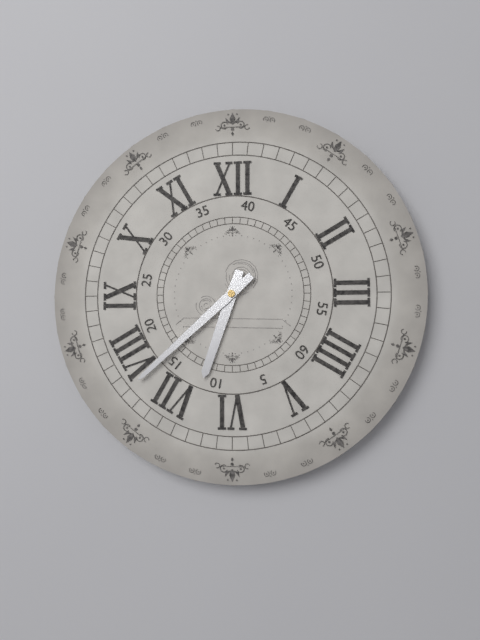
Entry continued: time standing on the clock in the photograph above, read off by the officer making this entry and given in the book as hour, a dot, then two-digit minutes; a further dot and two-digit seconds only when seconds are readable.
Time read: 6.38
